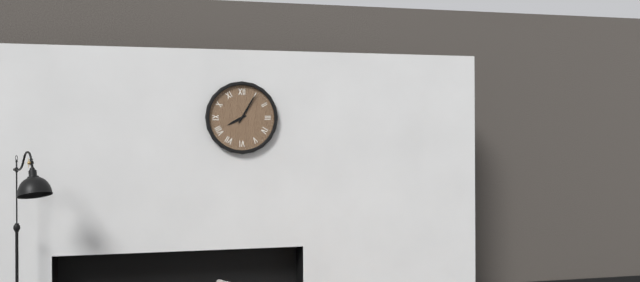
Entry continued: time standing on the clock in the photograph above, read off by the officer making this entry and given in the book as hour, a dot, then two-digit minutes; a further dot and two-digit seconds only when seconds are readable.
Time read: 8.05
